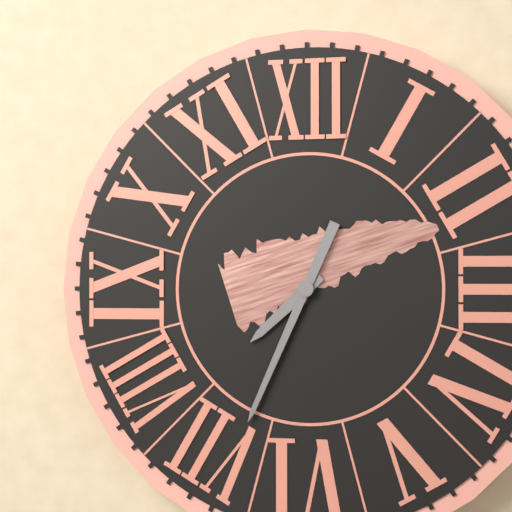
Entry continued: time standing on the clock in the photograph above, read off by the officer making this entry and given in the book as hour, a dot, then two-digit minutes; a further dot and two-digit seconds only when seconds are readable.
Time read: 7.34
